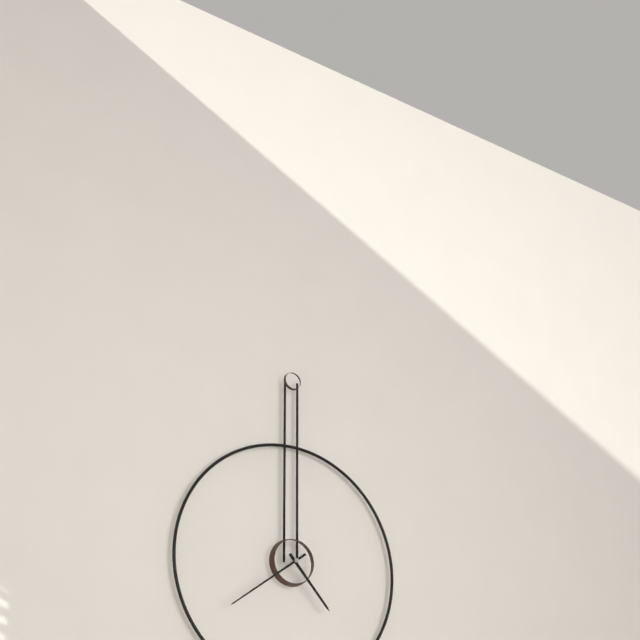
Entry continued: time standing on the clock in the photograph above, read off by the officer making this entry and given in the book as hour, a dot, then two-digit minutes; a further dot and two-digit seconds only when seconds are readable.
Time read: 4.39
